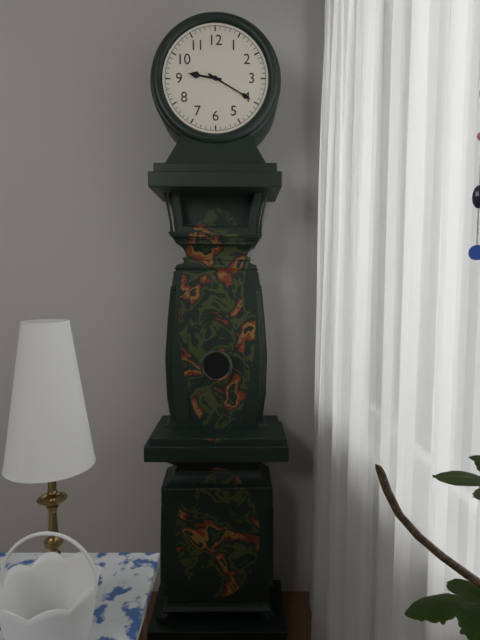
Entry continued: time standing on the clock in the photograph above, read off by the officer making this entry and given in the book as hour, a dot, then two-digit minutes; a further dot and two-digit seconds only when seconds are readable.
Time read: 9.20
